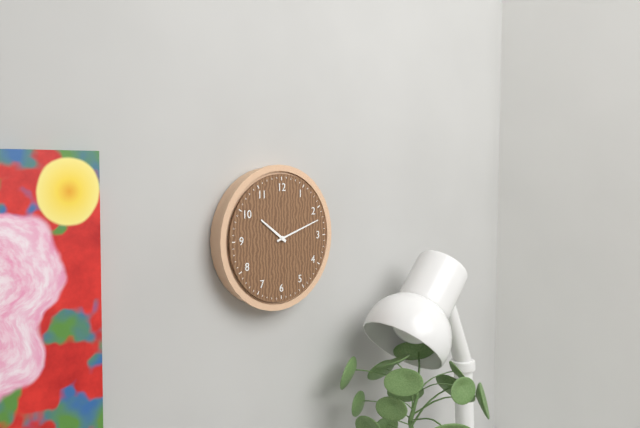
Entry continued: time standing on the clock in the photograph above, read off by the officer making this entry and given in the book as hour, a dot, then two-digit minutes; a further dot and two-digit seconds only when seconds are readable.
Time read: 10.12
